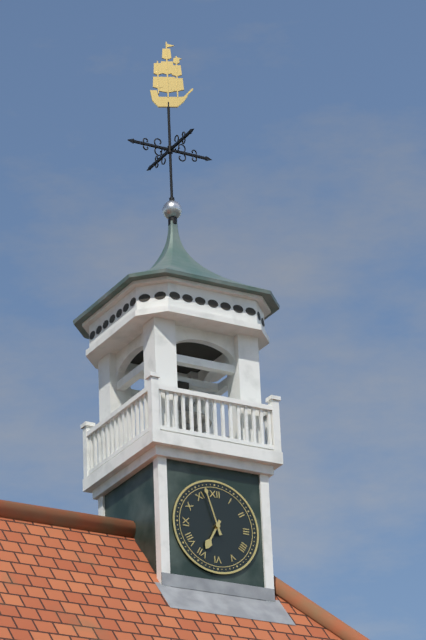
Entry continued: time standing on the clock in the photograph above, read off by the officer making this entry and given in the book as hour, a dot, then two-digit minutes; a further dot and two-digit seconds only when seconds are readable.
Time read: 6.57
